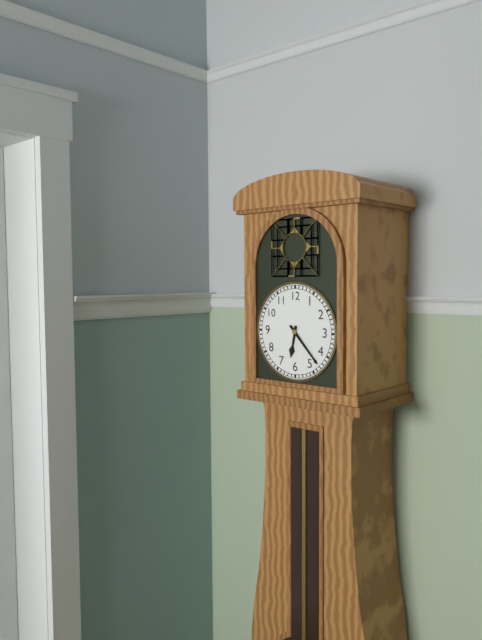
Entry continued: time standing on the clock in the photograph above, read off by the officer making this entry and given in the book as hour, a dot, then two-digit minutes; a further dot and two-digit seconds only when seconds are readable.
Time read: 6.23
